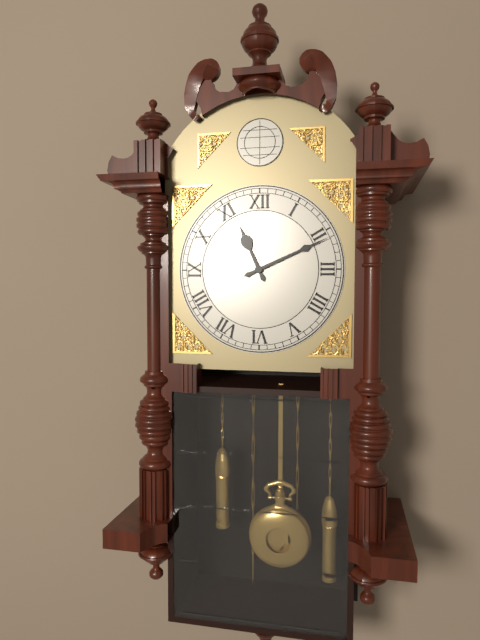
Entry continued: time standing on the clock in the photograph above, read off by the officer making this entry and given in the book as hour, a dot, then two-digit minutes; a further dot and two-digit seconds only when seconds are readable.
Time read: 11.11
